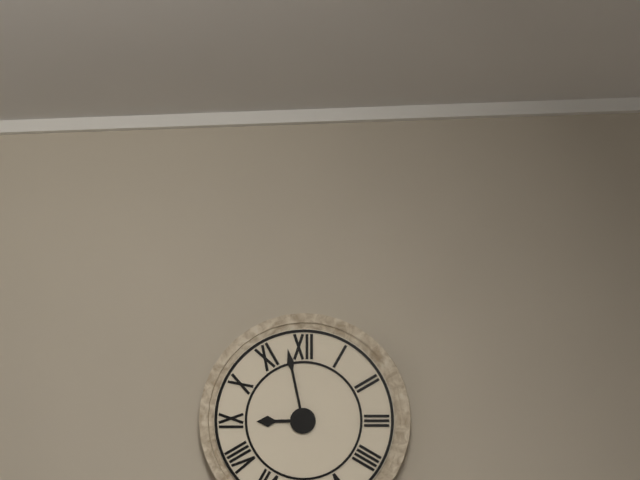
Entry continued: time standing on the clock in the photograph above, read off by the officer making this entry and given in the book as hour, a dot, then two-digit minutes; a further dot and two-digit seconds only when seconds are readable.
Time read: 8.58
